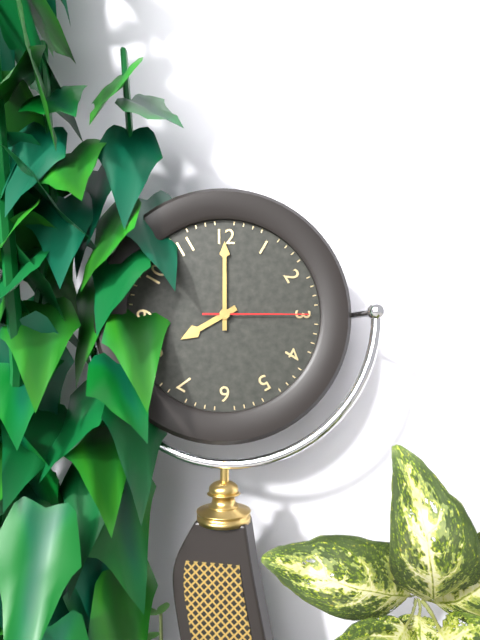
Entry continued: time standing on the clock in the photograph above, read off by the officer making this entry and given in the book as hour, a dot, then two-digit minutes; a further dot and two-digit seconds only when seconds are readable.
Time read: 8.00.15
